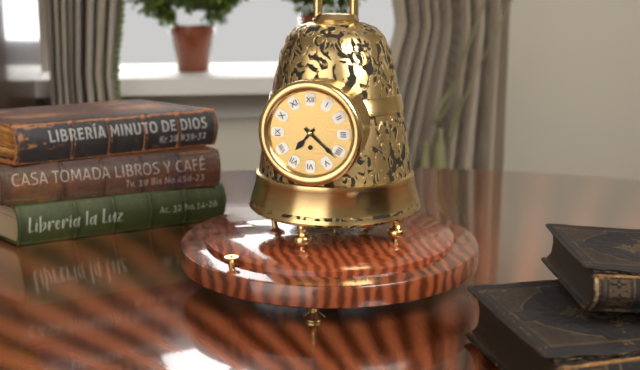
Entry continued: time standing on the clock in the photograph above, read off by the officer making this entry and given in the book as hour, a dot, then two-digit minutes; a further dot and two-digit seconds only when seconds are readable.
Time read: 7.22
